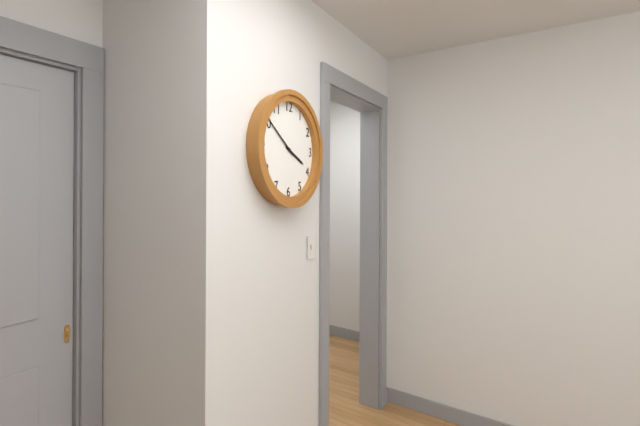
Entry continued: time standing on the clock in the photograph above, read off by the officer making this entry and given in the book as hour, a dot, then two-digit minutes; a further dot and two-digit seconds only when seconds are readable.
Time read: 3.51
